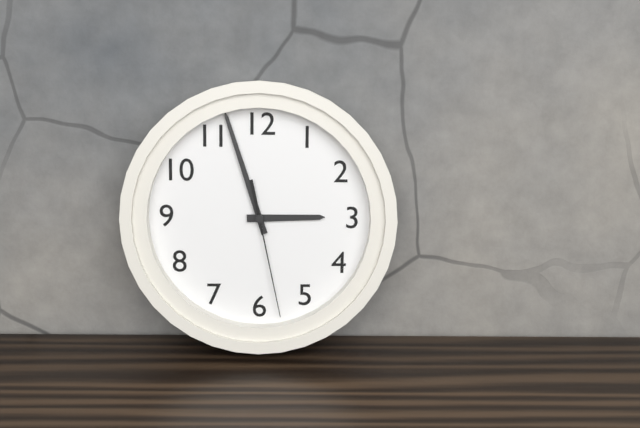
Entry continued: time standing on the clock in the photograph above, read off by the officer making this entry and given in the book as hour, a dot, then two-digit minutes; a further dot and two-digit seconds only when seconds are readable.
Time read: 2.57.28
